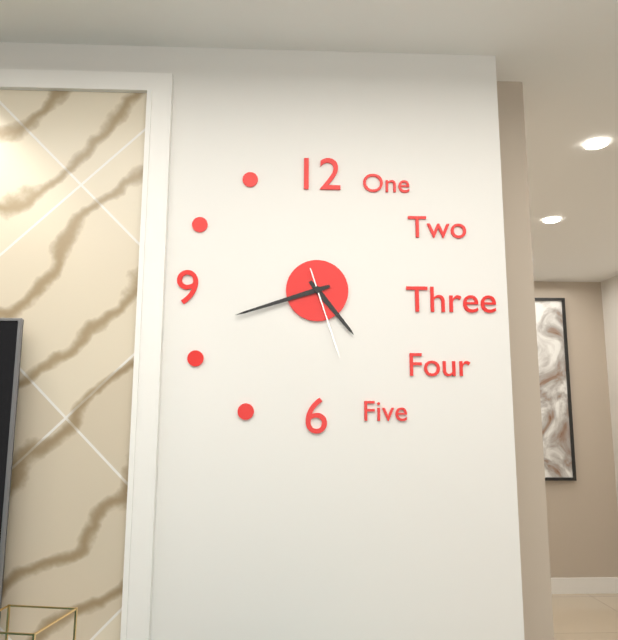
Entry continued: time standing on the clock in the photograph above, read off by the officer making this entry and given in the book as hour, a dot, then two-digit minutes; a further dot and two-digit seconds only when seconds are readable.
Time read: 4.42.27
